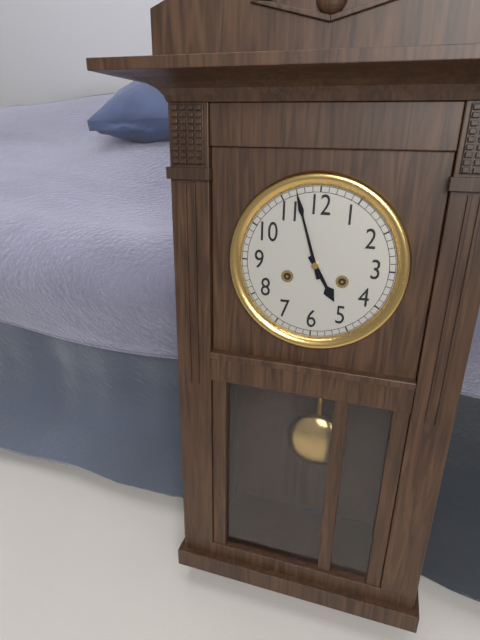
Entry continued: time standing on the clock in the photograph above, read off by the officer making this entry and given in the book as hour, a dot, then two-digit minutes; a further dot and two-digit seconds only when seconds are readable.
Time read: 4.57
